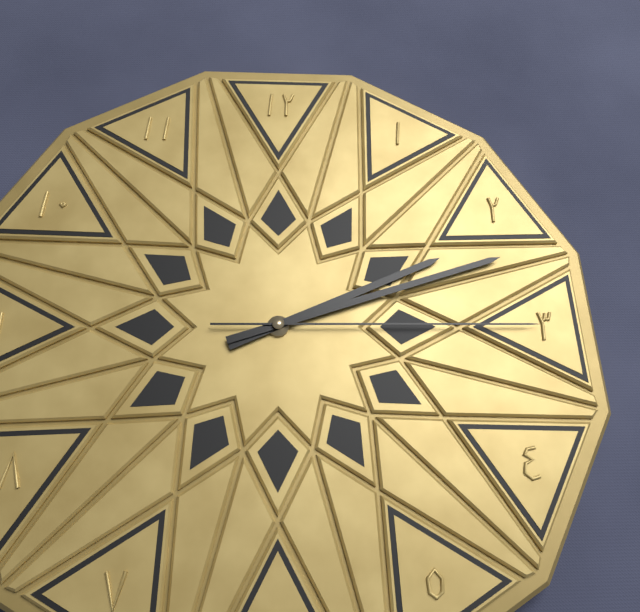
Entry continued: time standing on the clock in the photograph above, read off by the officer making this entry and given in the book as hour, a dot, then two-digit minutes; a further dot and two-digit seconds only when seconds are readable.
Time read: 2.12.15
